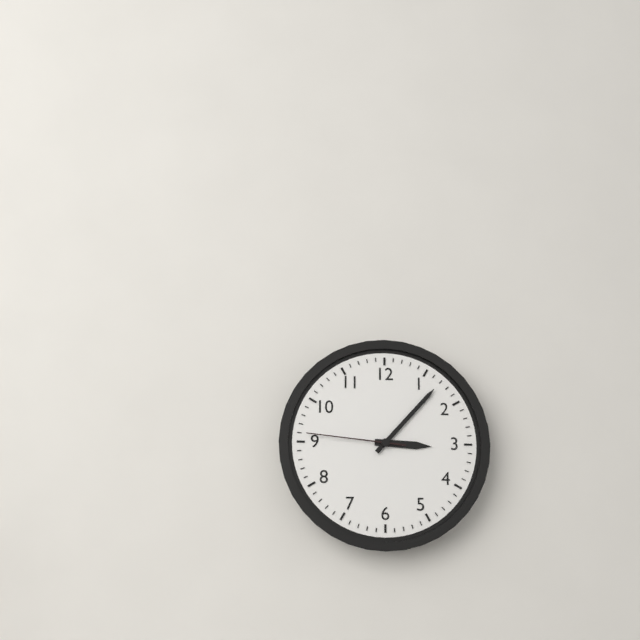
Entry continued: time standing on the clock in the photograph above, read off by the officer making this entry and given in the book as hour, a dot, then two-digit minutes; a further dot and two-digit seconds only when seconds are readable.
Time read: 3.07.46
